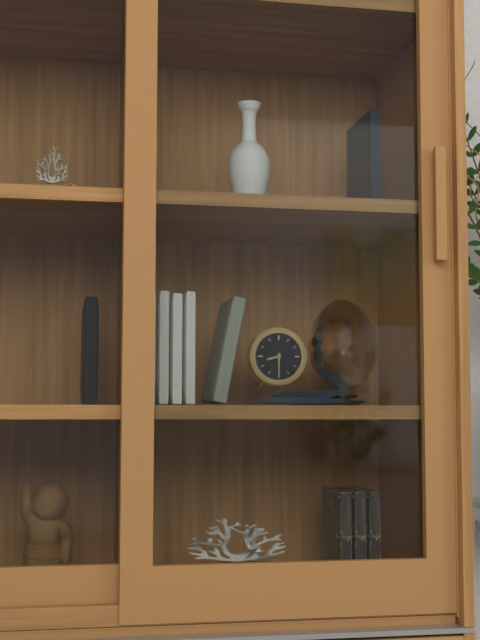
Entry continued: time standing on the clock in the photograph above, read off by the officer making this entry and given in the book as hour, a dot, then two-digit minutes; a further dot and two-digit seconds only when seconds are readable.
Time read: 8.30
